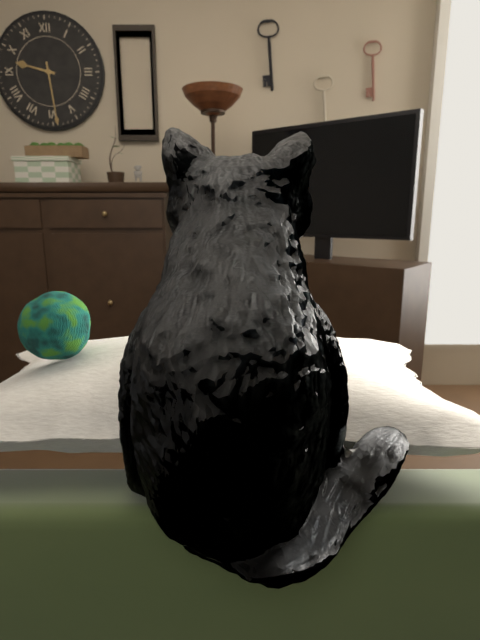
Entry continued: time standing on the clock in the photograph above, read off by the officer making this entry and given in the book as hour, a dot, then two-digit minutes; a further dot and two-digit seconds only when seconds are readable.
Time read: 9.29
